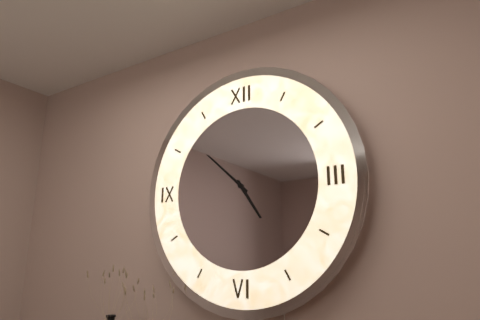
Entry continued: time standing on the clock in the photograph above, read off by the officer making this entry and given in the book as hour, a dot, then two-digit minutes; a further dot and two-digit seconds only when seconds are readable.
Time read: 4.52
